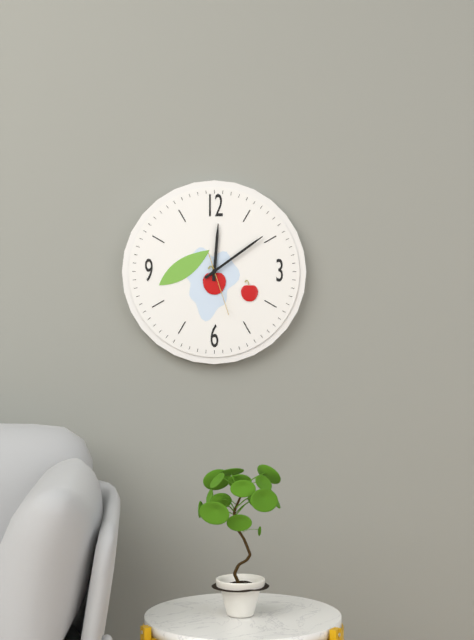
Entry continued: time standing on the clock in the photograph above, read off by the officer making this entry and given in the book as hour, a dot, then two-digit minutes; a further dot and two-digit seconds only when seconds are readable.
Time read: 12.09.27
